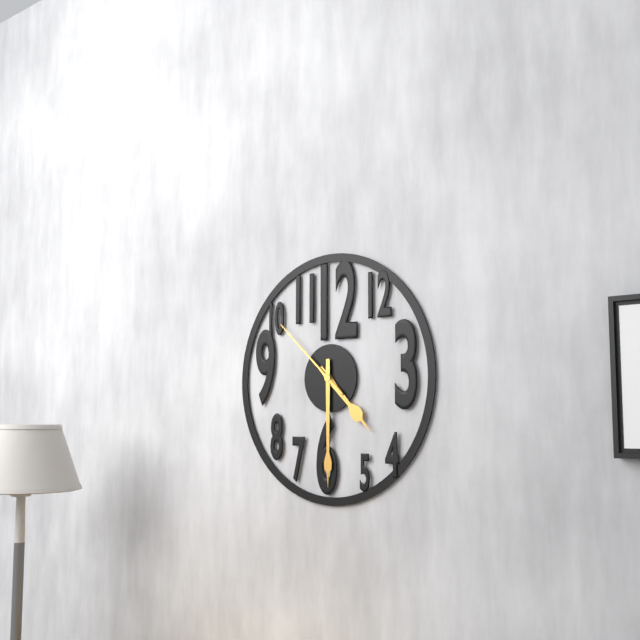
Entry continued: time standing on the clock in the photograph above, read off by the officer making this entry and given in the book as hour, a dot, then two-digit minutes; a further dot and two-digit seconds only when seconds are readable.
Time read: 4.30.52
